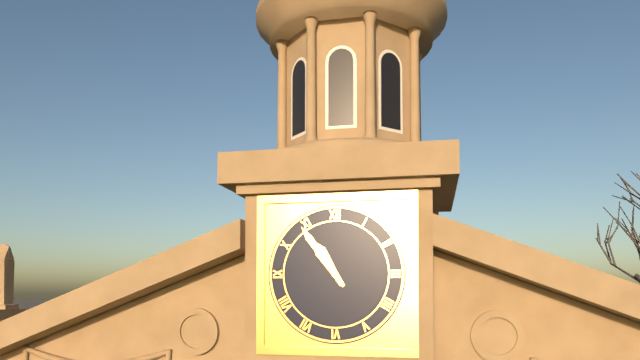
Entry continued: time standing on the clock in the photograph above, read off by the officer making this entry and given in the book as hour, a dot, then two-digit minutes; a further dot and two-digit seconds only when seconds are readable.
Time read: 10.54
